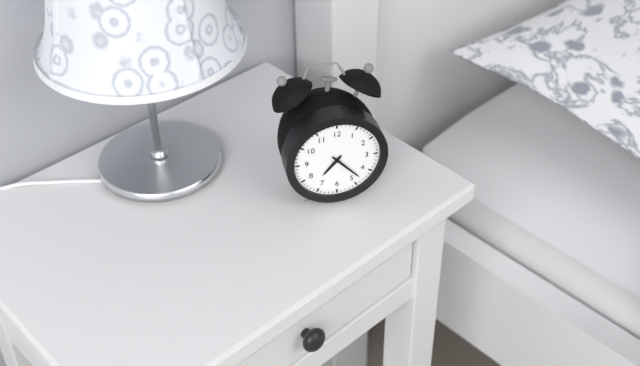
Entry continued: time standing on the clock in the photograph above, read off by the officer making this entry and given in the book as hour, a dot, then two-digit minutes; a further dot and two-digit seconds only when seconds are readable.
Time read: 7.23
